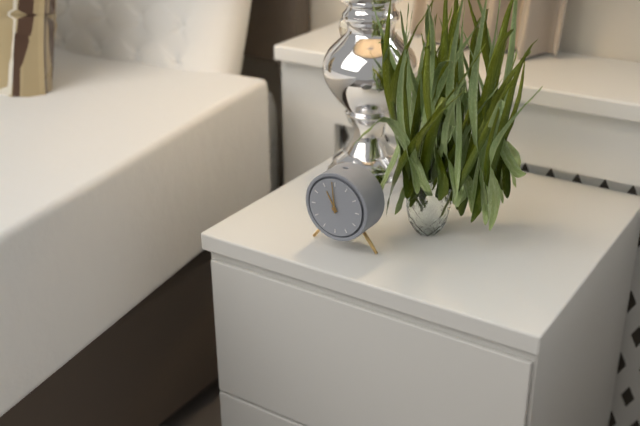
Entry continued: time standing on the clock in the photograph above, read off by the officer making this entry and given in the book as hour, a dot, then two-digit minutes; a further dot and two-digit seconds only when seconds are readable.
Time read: 10.59
